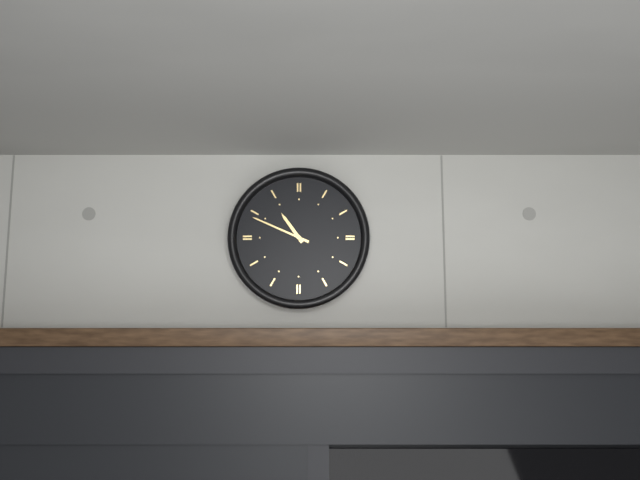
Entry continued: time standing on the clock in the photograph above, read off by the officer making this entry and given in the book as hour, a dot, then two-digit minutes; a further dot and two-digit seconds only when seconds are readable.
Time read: 10.49
